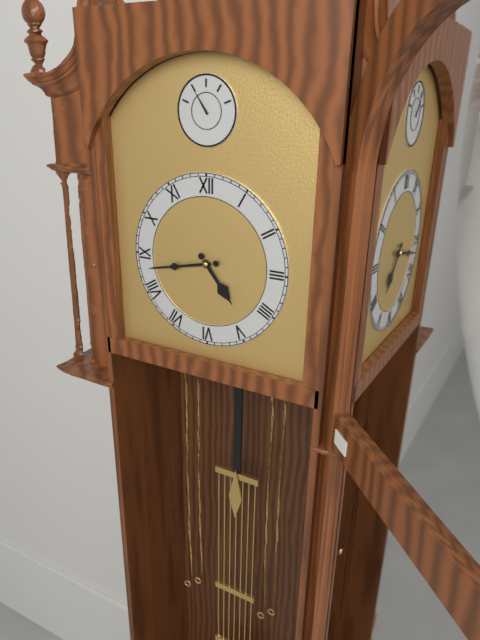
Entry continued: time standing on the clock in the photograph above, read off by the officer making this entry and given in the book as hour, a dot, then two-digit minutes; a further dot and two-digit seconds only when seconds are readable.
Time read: 4.43
